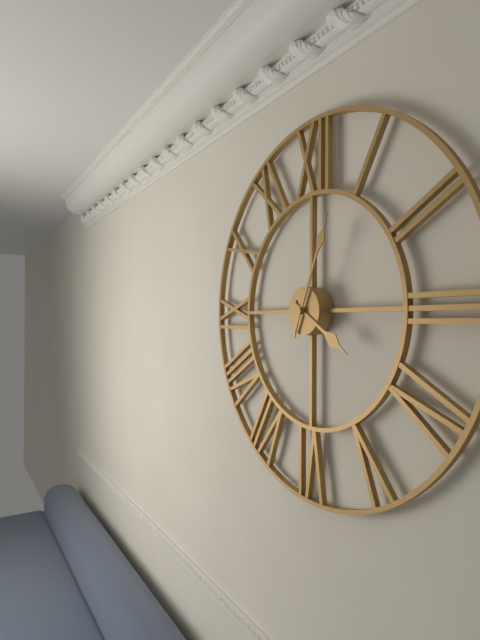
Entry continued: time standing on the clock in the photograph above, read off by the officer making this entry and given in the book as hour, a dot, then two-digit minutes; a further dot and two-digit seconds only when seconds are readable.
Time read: 4.04
